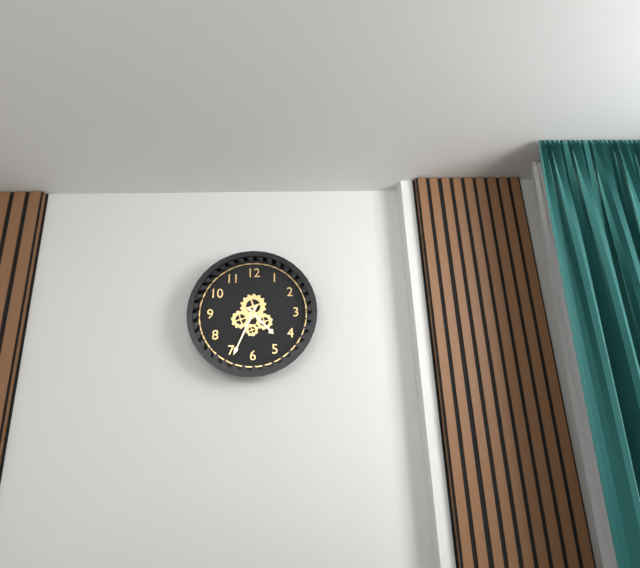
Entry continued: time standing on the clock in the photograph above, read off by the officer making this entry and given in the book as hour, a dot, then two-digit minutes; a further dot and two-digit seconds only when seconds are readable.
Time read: 4.34
